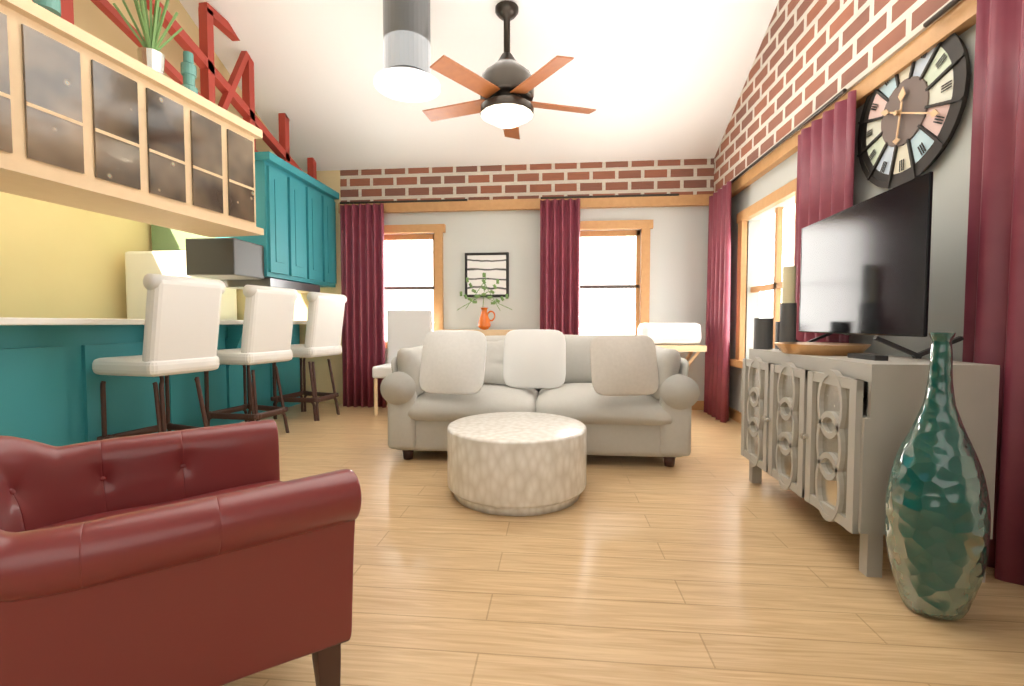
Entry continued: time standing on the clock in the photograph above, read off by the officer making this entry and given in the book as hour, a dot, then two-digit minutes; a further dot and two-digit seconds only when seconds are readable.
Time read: 6.19
